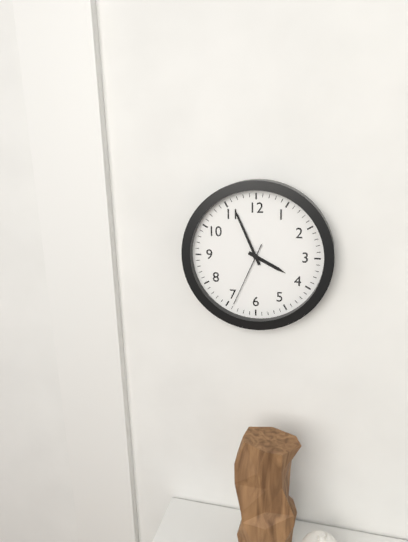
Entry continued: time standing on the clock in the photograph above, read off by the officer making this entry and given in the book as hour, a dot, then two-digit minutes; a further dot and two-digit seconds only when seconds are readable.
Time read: 3.56.34
